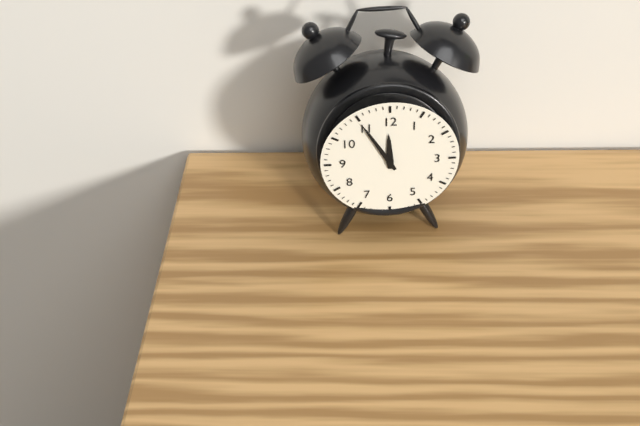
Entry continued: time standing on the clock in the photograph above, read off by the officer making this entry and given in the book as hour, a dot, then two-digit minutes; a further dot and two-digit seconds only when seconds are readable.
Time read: 11.55
